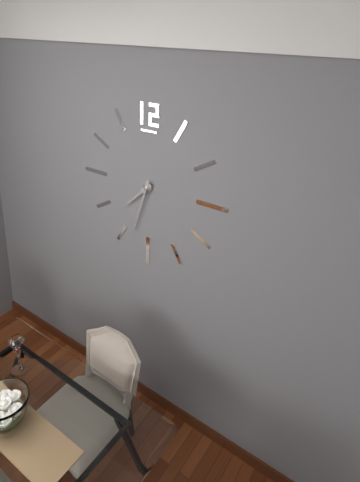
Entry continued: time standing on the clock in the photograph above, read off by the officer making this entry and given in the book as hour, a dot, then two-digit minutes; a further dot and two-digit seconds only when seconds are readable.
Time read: 7.33
